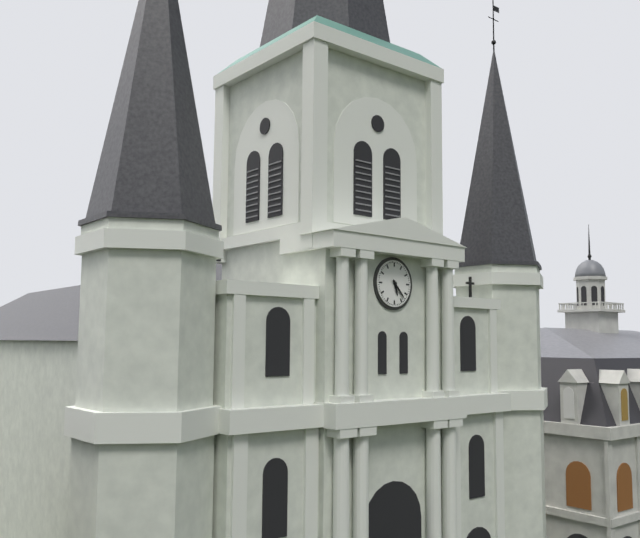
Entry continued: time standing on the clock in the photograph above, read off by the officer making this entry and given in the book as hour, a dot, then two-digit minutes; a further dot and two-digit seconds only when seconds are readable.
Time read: 5.23
